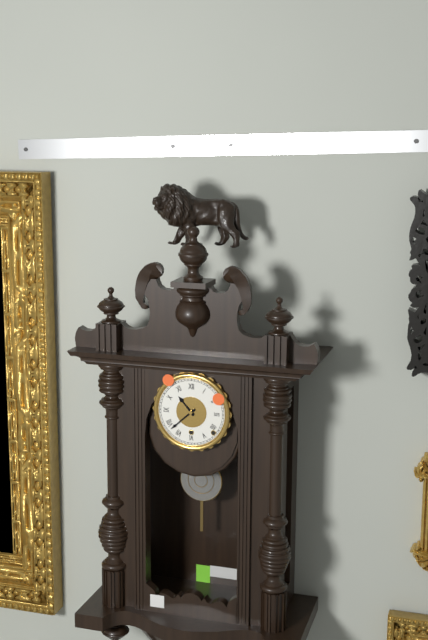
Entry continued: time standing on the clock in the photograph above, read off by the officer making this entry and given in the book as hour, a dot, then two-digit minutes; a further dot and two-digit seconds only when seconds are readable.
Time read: 10.38
